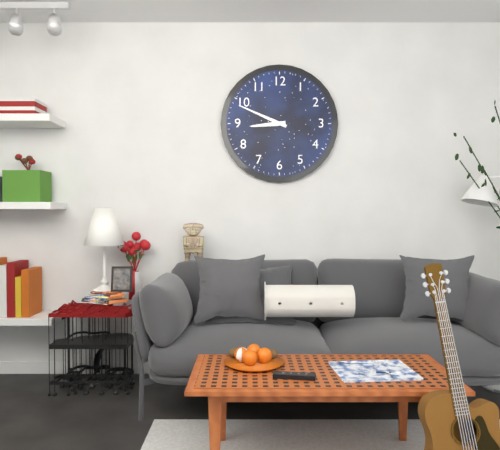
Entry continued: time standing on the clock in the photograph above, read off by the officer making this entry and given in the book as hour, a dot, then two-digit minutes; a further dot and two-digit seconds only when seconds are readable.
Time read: 8.49
